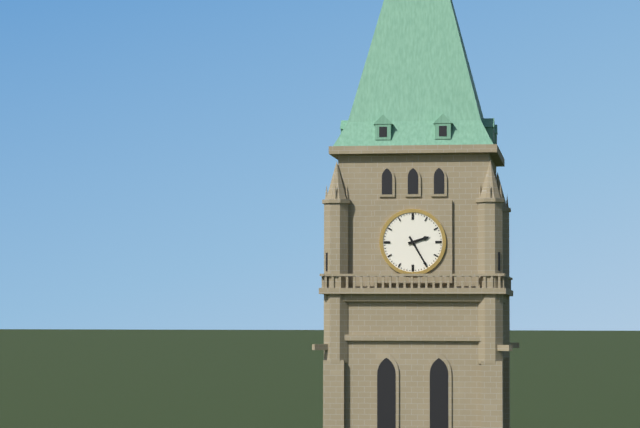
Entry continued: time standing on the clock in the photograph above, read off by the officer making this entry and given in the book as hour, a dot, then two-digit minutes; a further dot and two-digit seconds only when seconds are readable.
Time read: 2.25
